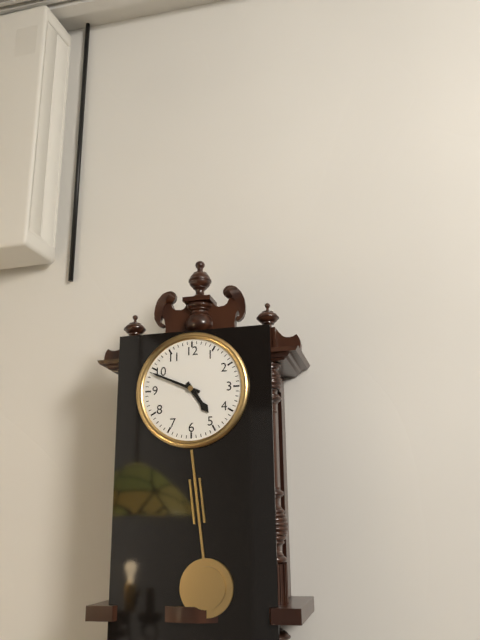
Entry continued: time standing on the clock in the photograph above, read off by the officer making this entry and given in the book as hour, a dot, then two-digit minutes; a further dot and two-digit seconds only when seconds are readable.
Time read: 4.49
